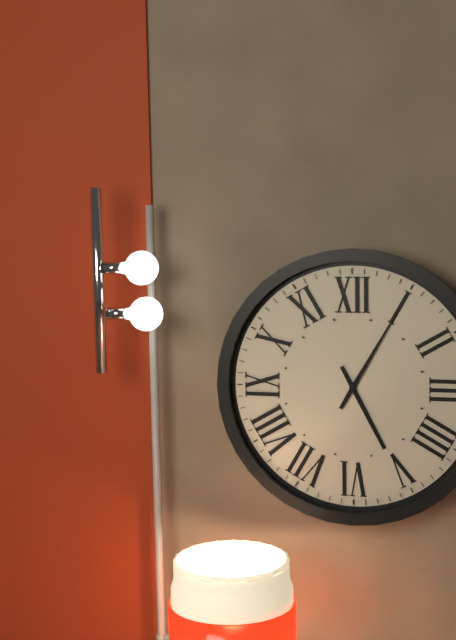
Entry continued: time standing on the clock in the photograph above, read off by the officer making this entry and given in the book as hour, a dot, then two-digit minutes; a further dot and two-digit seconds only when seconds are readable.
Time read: 5.05
